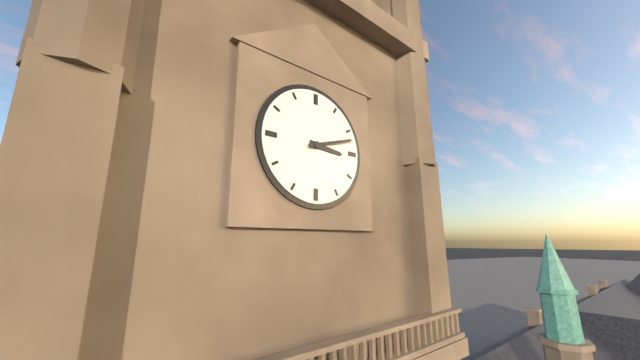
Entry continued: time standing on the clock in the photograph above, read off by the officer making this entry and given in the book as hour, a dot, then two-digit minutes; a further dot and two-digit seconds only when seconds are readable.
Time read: 3.12
